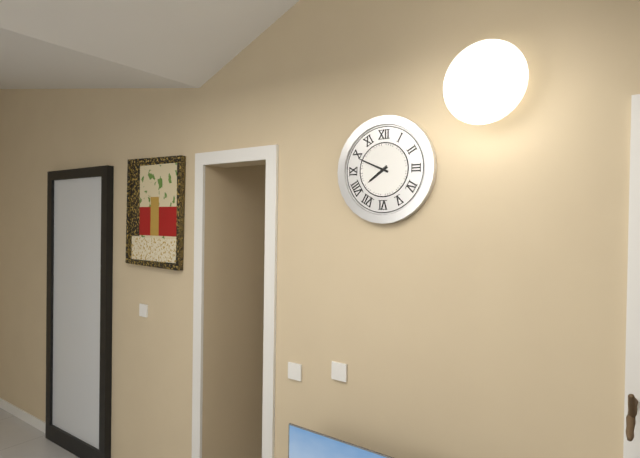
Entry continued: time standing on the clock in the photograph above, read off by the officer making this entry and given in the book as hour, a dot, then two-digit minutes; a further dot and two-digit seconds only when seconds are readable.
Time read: 7.49
